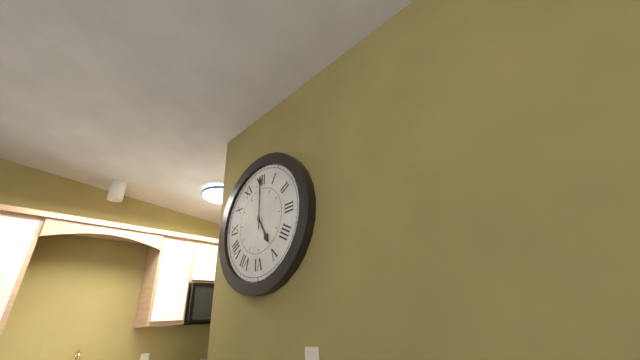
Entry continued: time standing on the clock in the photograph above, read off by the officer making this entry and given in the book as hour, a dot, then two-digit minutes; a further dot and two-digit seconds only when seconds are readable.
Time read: 5.00
